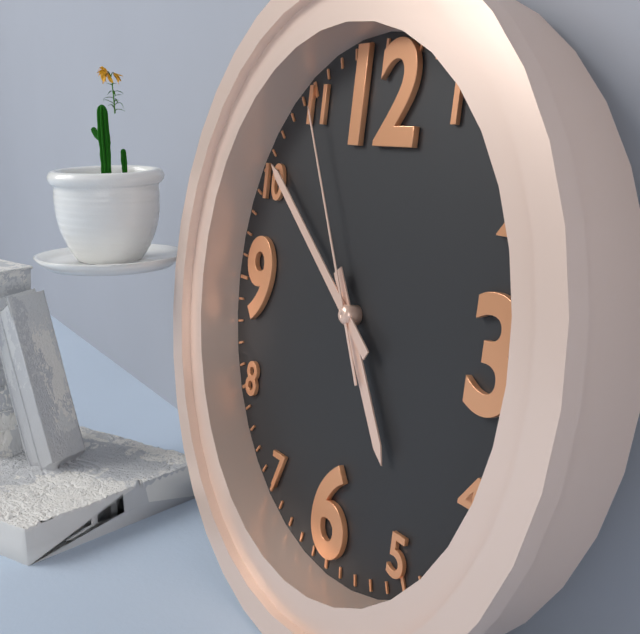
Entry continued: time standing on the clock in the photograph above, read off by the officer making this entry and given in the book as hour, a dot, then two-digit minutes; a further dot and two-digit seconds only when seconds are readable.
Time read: 4.51.55
